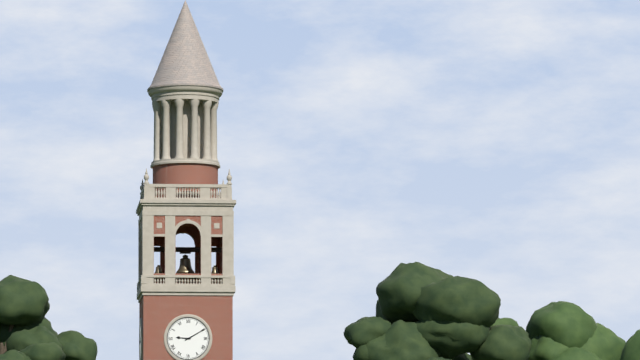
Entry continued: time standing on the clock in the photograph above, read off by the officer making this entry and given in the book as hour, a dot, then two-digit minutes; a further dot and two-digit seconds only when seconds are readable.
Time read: 9.10
